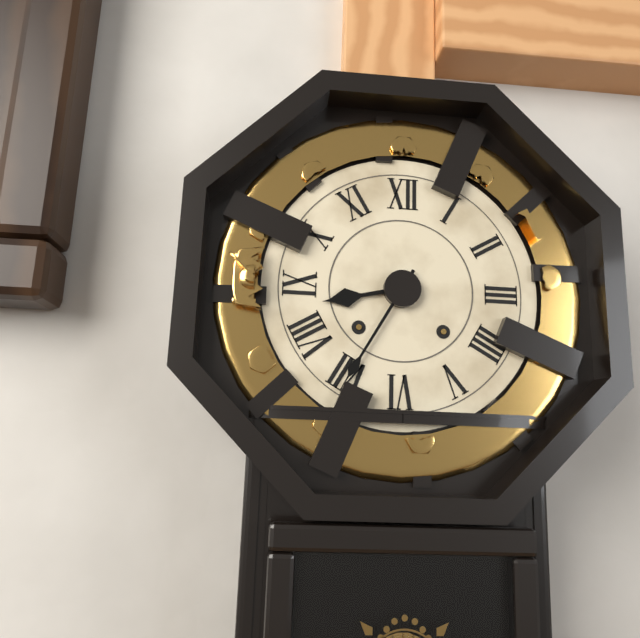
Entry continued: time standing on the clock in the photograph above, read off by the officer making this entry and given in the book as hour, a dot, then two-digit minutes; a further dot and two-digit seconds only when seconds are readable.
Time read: 8.35
